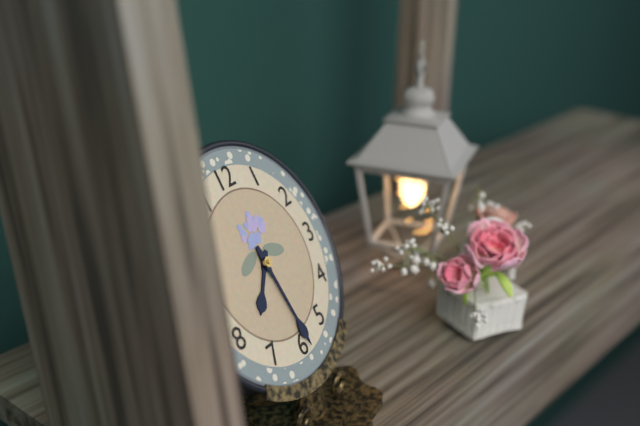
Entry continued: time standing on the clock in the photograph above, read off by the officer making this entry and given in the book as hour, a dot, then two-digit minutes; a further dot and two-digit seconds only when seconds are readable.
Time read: 7.29
